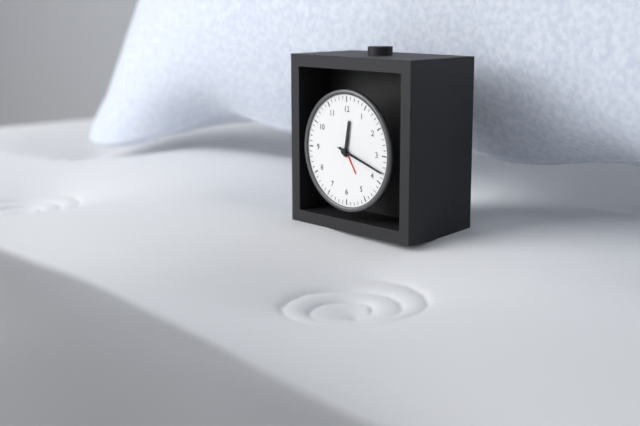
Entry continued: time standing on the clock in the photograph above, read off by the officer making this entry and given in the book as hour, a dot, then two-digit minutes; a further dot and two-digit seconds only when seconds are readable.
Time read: 12.18.18
